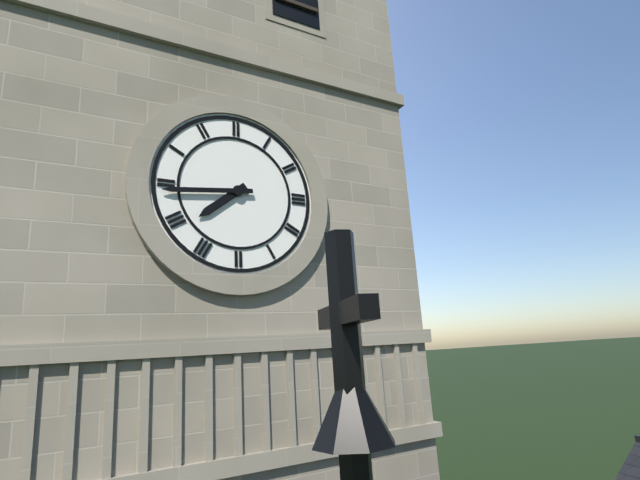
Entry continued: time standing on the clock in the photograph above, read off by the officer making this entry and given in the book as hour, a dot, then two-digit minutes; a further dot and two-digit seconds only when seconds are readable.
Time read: 7.44
